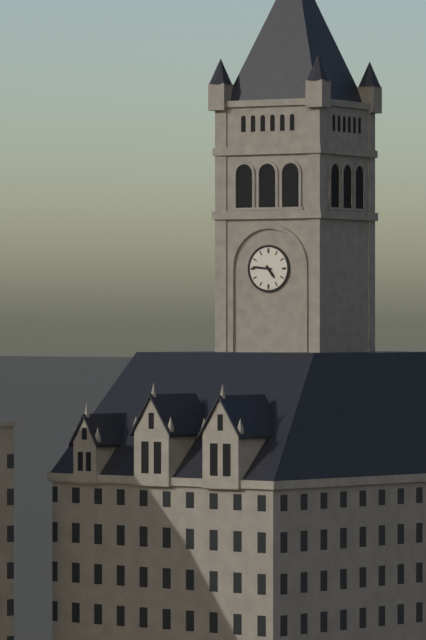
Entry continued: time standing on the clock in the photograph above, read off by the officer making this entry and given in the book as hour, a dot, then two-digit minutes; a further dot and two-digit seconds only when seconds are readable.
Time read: 4.46
